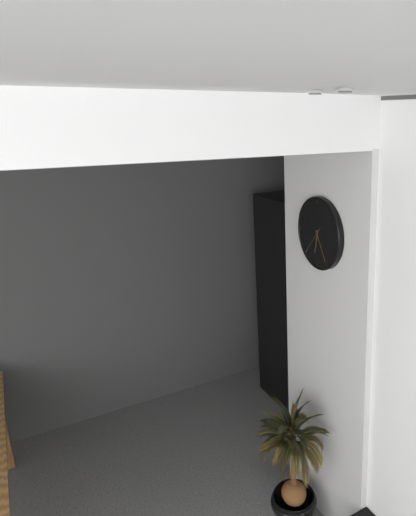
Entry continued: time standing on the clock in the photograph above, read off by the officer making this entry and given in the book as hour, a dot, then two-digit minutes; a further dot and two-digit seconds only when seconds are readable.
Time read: 6.25
